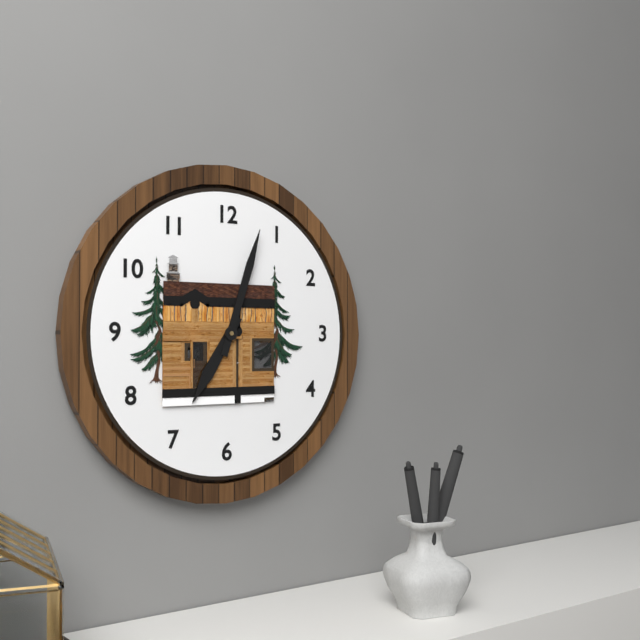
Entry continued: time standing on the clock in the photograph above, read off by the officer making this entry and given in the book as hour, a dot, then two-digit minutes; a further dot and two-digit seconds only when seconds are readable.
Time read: 7.03
